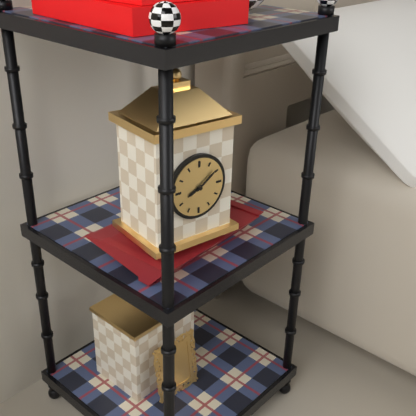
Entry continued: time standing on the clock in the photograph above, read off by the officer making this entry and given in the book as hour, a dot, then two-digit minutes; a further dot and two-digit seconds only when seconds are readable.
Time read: 8.09
